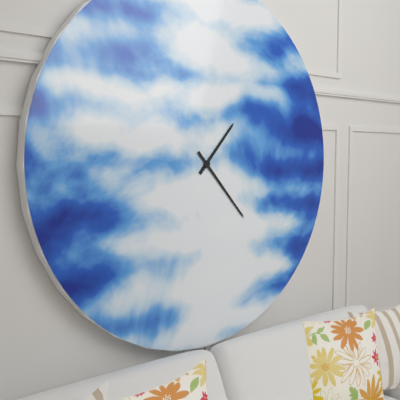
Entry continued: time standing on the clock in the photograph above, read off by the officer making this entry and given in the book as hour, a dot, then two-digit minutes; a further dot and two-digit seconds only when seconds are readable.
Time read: 1.23
